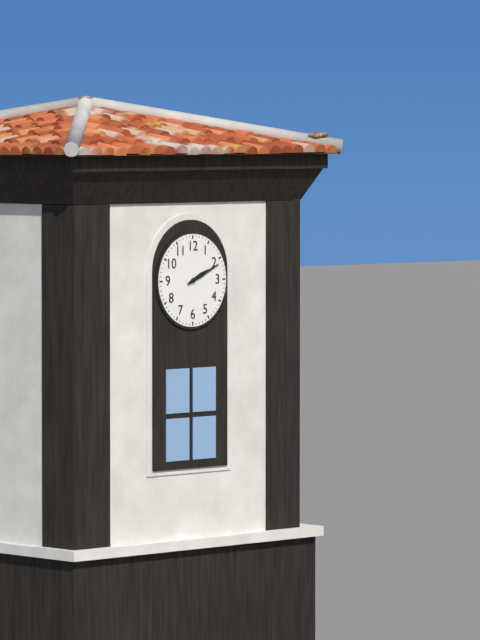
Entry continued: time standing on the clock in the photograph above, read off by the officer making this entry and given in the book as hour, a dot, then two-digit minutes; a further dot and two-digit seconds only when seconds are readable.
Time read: 2.11
